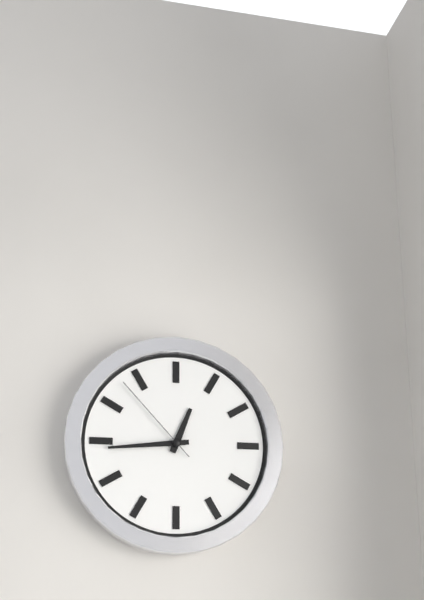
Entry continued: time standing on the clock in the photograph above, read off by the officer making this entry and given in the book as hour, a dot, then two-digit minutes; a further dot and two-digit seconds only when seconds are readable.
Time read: 12.44.53
